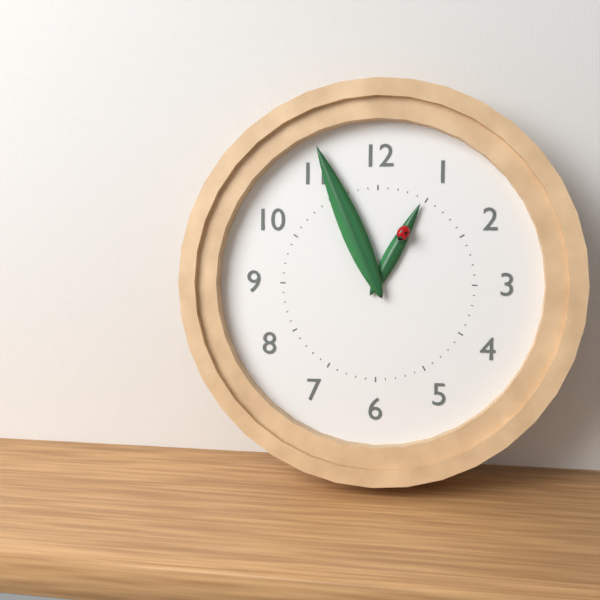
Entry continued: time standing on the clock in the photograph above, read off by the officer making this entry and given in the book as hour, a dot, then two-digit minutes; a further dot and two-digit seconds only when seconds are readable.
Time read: 12.56
